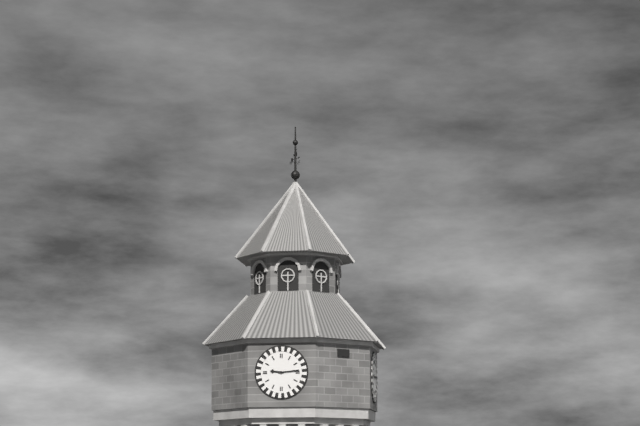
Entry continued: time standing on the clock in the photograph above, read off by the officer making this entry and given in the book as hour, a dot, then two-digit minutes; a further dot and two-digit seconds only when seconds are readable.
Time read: 9.14
